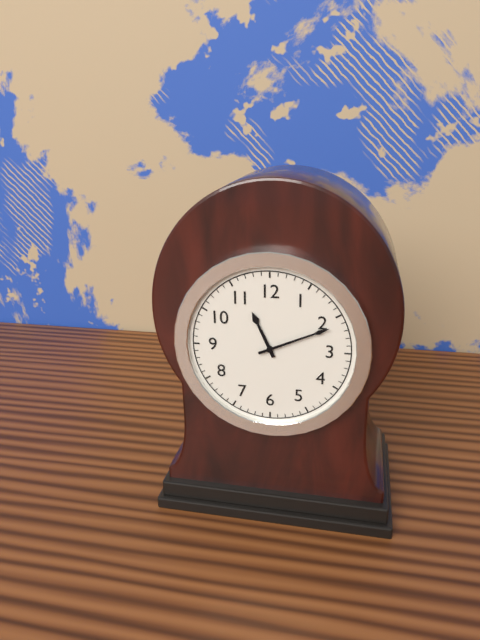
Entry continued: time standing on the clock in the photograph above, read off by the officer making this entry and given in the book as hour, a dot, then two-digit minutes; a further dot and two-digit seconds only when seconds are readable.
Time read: 11.11
